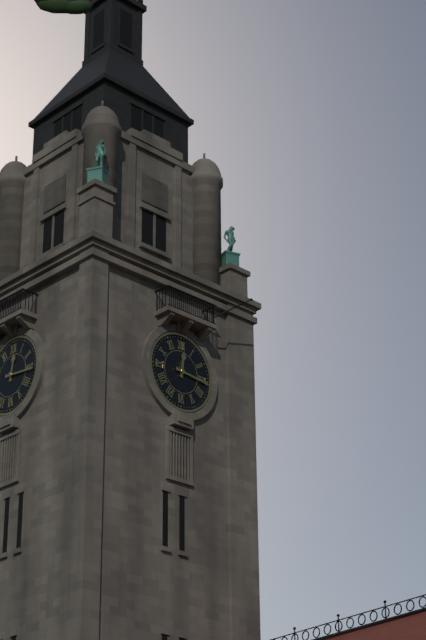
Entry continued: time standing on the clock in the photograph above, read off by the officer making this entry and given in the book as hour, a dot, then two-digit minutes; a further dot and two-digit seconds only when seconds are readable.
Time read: 12.16
